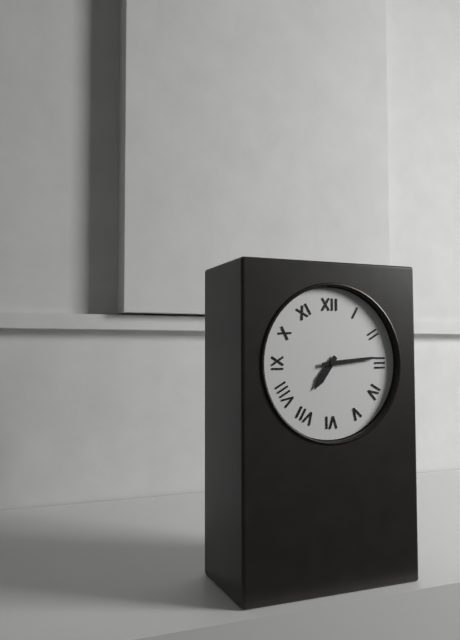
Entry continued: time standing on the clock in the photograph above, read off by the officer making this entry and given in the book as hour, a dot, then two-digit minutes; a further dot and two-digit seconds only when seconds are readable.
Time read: 7.14
